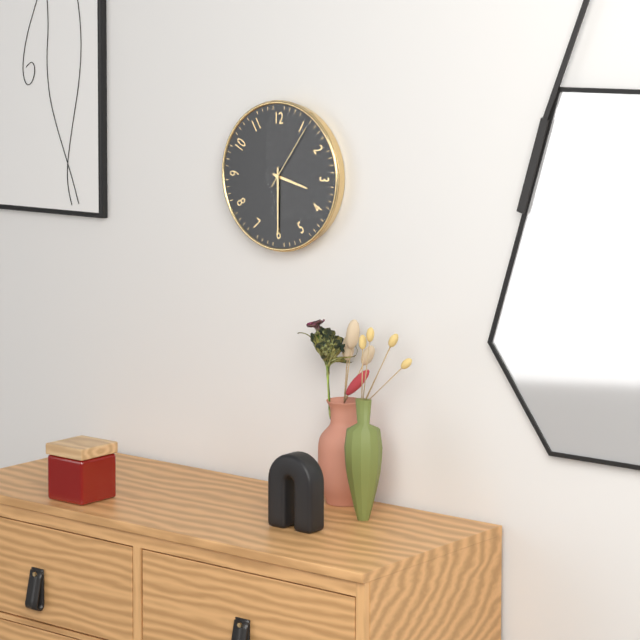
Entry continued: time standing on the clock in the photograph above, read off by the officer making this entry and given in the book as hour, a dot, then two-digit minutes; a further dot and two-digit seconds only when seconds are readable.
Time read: 3.30.06
